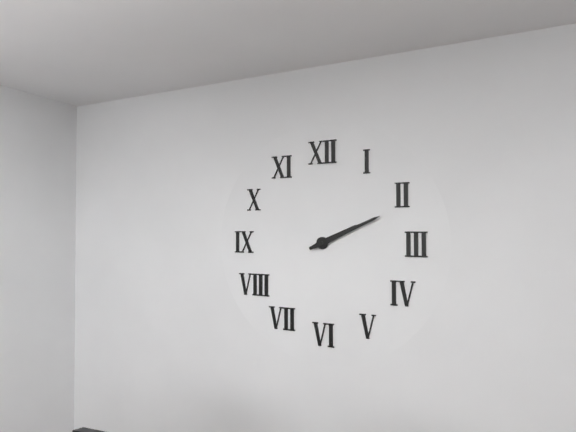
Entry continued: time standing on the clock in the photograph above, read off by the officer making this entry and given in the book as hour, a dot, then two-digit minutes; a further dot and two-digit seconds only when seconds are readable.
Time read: 2.11
